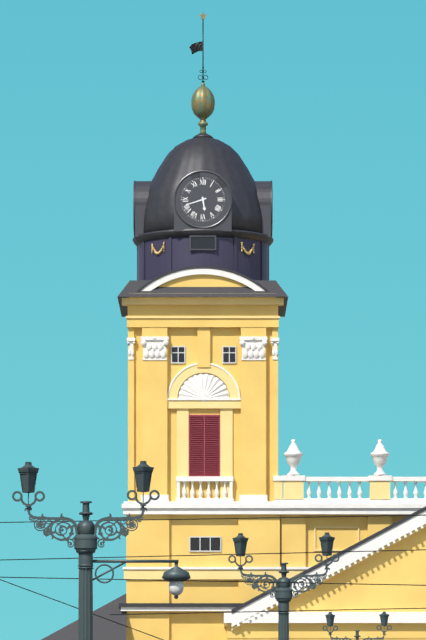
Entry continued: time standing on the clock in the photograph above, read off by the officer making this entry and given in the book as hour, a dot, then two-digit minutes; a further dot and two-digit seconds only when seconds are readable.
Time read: 5.42
